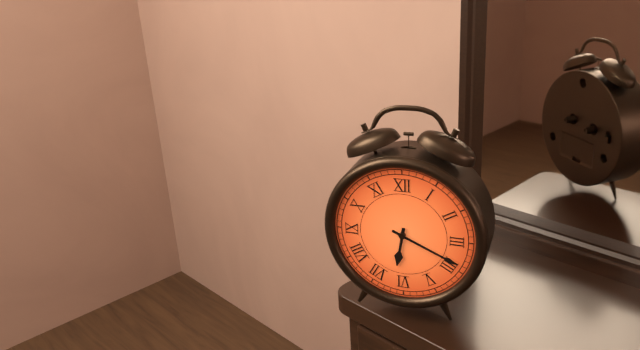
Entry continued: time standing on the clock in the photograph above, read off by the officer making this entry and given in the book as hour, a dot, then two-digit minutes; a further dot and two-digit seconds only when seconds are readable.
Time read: 6.19
